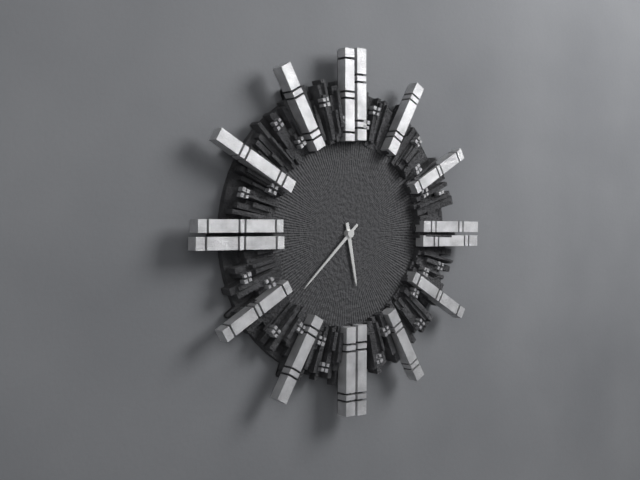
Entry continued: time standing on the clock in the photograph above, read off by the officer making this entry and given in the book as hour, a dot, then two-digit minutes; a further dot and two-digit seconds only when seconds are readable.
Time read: 5.38
